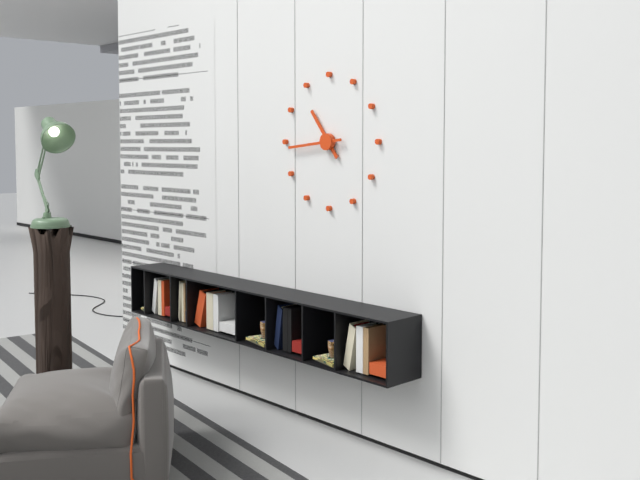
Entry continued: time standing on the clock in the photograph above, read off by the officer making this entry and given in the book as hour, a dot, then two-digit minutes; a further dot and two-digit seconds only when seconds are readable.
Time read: 10.44
